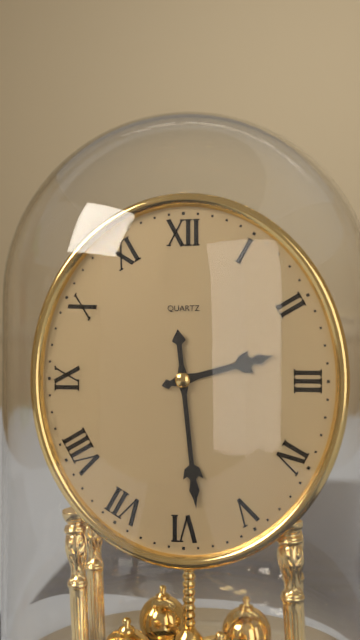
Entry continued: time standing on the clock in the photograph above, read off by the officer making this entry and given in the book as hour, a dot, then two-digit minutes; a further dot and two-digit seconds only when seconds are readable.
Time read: 2.29
